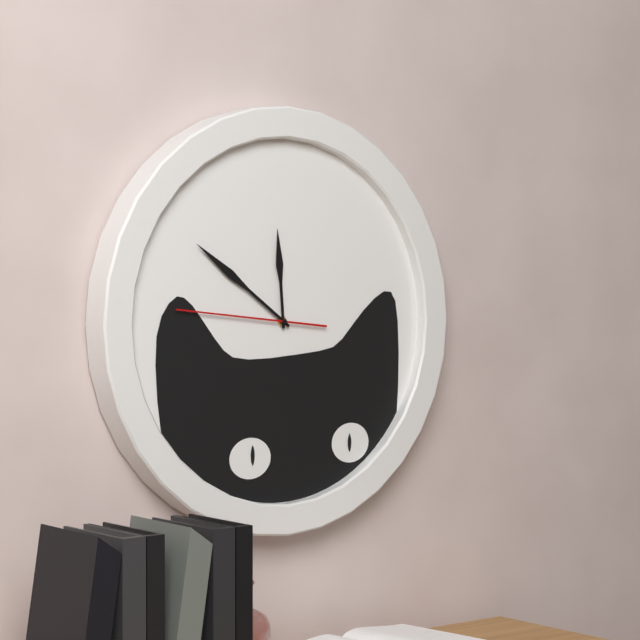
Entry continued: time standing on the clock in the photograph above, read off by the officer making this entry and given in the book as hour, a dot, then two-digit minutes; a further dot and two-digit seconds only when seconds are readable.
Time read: 11.51.46
